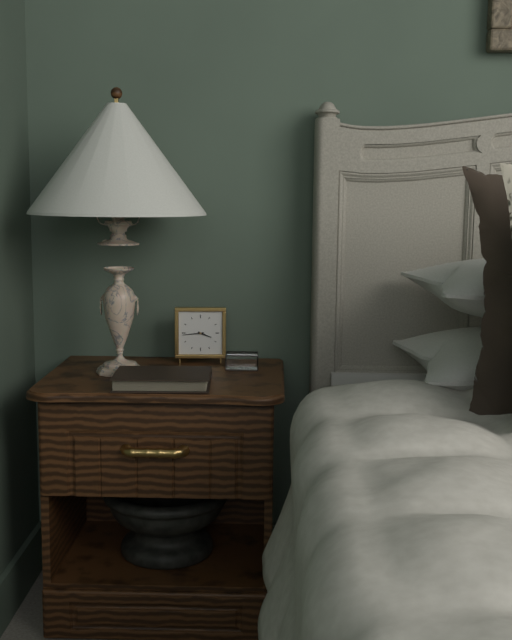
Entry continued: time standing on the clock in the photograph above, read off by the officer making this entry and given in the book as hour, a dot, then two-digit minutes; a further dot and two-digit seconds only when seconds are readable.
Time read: 3.44
